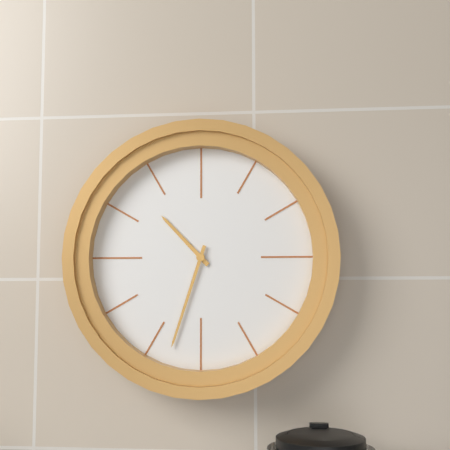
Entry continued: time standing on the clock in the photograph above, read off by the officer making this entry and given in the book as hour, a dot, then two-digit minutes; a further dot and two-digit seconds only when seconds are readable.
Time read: 10.33
